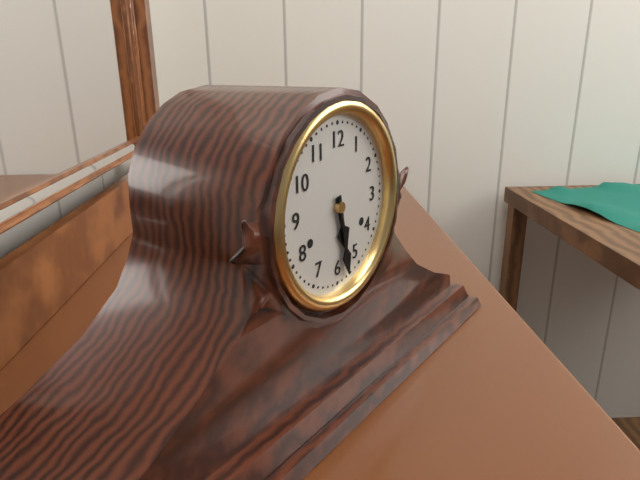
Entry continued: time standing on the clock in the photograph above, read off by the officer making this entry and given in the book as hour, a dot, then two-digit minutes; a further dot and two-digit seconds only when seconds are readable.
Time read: 5.28
